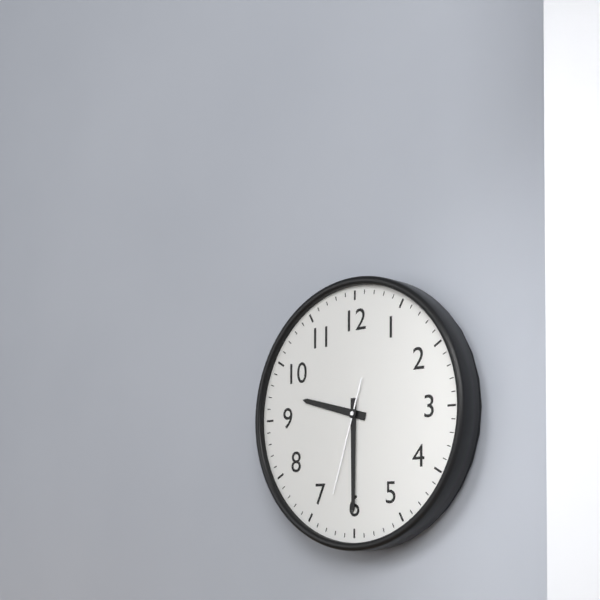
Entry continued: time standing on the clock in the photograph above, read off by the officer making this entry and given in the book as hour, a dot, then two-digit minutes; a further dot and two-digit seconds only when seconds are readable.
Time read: 9.30.33
